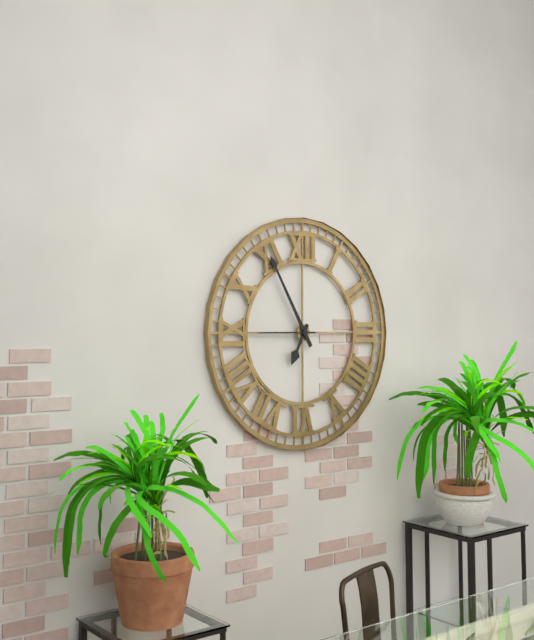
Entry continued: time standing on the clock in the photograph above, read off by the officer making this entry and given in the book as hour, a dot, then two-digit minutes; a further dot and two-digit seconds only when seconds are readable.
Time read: 6.55.45
